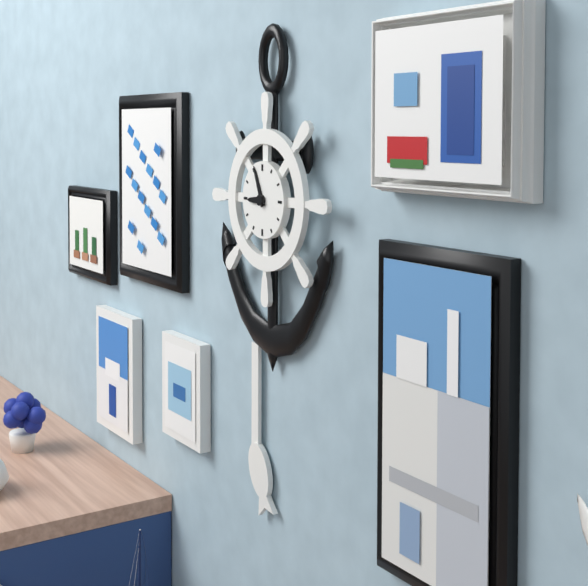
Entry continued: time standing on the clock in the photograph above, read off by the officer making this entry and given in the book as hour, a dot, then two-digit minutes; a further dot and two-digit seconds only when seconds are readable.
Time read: 8.56
